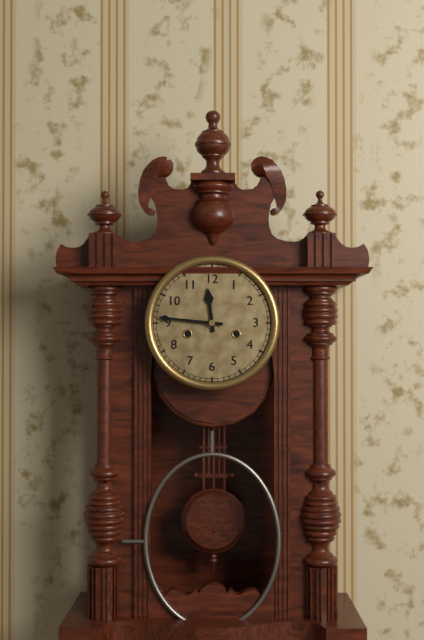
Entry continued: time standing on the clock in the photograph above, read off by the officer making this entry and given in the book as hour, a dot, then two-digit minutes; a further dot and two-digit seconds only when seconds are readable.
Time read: 11.46
